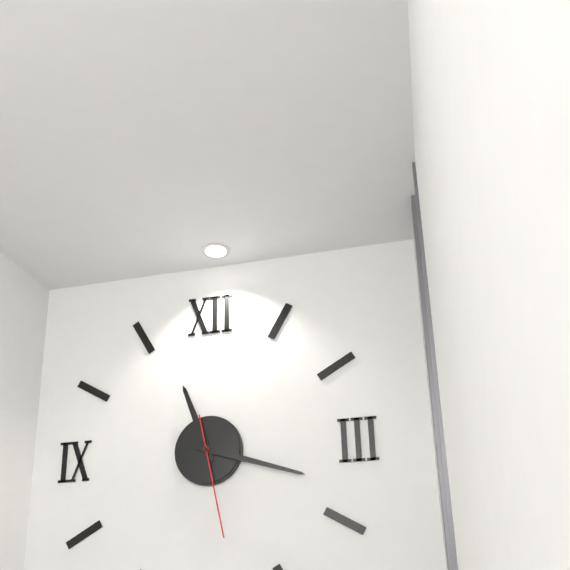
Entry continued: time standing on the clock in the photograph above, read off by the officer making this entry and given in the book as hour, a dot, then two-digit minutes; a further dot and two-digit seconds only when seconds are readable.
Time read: 11.18.28
